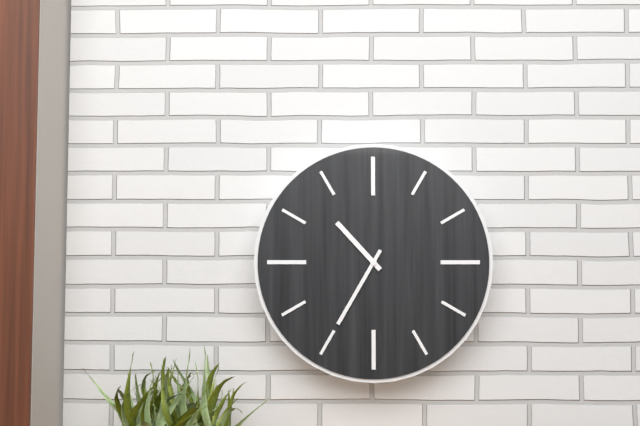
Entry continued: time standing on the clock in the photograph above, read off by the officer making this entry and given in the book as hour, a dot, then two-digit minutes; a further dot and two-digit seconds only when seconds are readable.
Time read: 10.35
